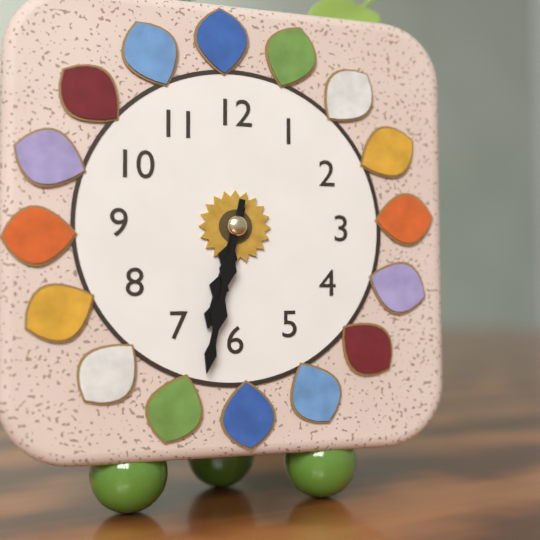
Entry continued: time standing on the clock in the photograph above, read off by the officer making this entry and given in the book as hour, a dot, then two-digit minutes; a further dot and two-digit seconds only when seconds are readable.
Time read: 6.32
